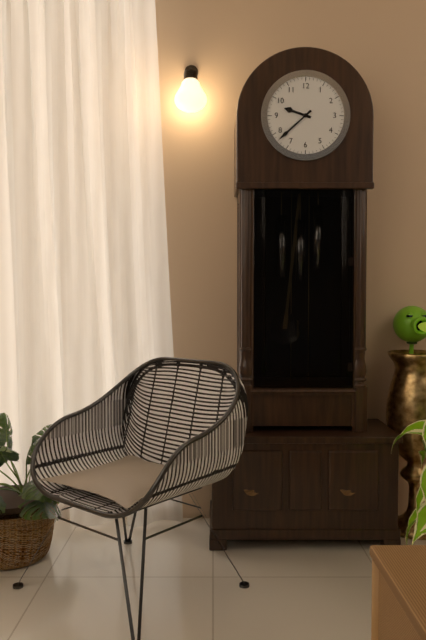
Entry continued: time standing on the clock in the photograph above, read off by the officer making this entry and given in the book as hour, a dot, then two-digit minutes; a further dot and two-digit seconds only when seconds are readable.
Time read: 9.38
